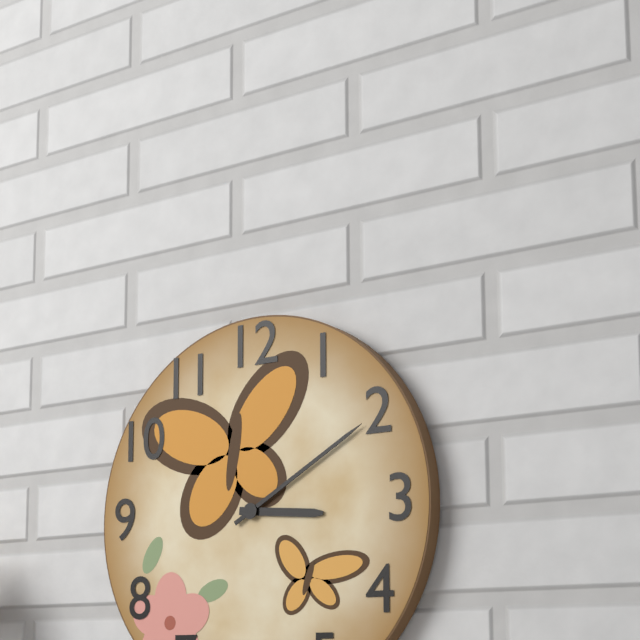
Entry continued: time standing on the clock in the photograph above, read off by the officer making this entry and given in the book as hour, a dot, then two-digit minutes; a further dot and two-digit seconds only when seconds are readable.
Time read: 3.10
